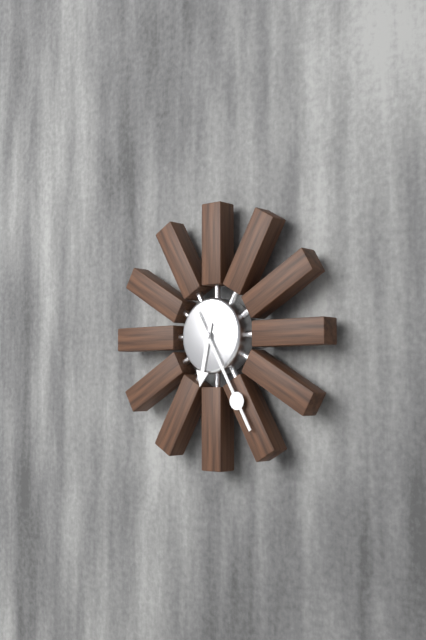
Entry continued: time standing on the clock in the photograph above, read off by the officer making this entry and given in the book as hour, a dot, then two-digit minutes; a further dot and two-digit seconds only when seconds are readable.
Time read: 6.25
